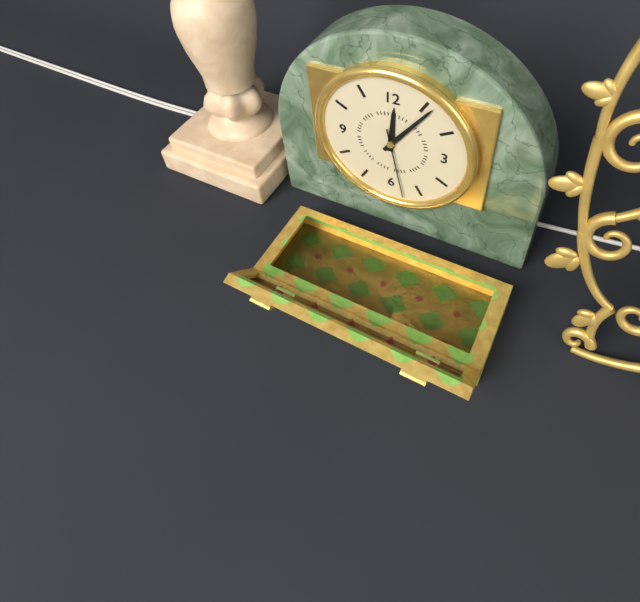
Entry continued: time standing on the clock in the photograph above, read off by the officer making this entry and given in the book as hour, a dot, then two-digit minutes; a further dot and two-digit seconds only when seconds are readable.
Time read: 12.06.28
